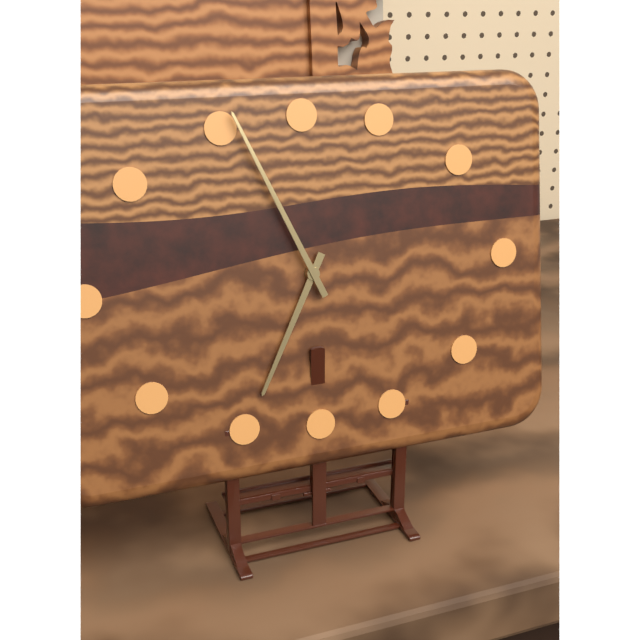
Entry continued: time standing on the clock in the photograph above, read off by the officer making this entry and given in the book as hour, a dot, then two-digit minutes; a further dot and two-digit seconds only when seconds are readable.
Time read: 6.56
